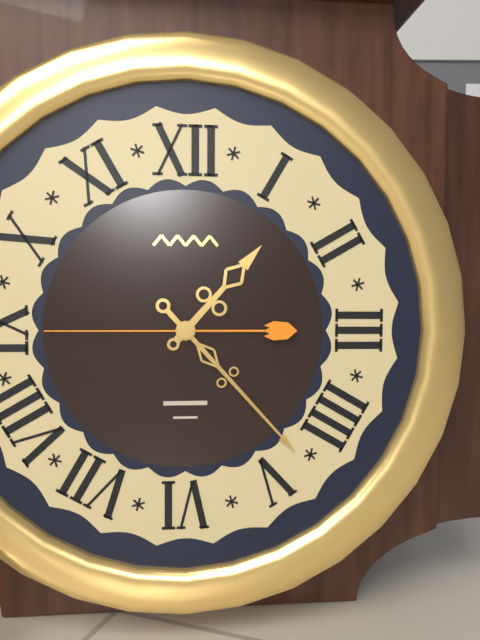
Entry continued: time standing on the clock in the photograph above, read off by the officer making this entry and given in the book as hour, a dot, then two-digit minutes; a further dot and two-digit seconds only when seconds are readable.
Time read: 1.23.45
